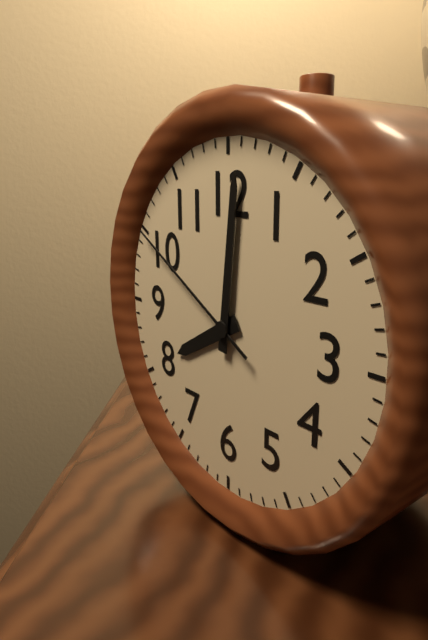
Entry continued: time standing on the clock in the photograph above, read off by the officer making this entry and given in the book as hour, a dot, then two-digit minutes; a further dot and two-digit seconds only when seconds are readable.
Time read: 8.01.50
